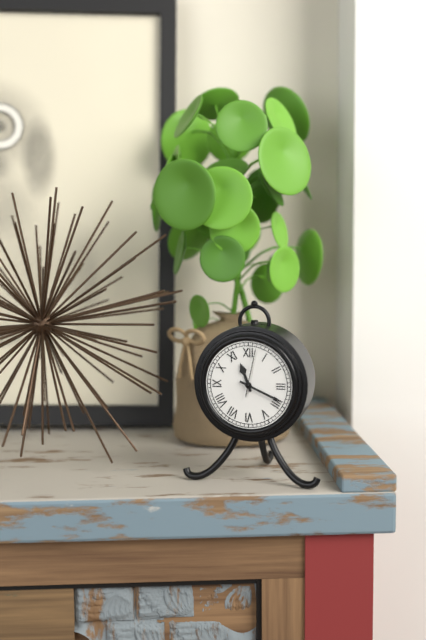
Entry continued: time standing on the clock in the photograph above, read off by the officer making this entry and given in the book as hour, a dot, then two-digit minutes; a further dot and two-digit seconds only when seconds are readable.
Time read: 11.19
